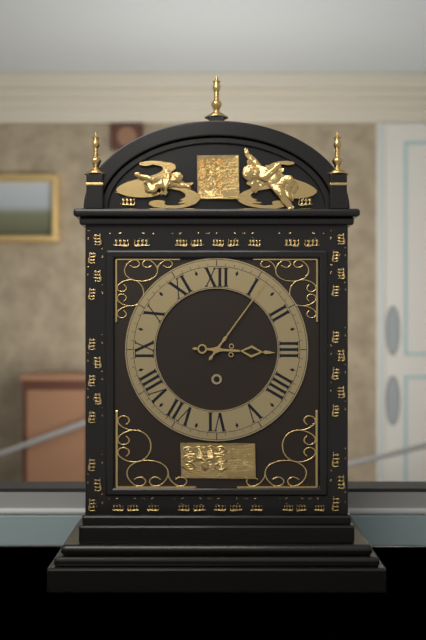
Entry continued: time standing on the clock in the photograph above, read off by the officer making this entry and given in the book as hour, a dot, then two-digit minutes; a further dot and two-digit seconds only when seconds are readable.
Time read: 3.06
